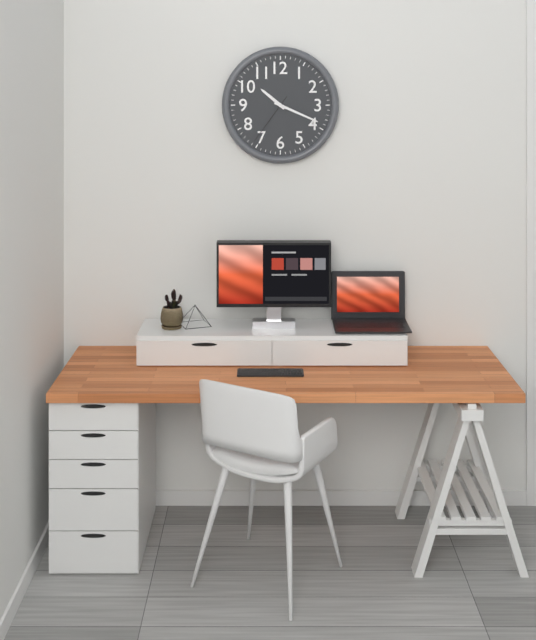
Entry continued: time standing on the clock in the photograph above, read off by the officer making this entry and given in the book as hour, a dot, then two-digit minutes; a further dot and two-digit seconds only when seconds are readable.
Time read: 10.19.36
